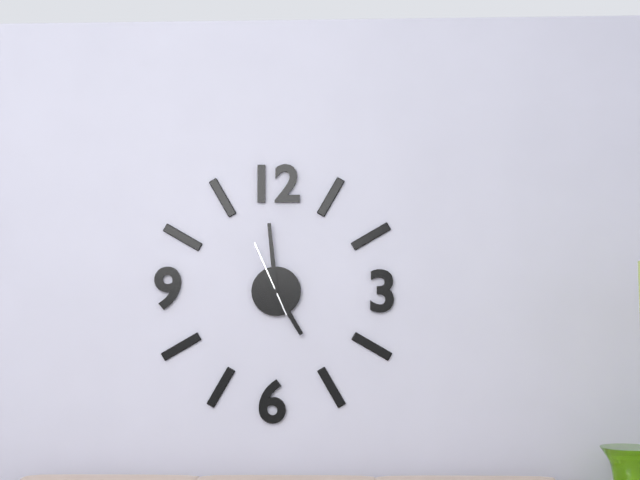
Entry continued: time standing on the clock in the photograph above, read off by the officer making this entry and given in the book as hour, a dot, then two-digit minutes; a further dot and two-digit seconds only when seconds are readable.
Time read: 4.59.56
